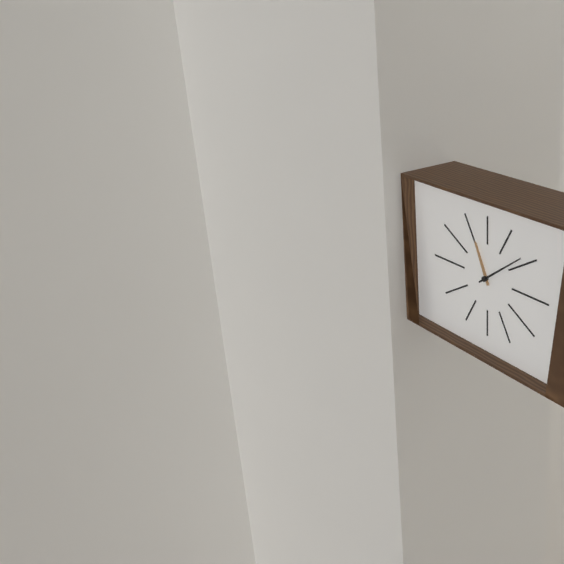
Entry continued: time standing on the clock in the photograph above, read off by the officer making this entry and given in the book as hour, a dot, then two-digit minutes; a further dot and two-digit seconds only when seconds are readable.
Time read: 11.09
